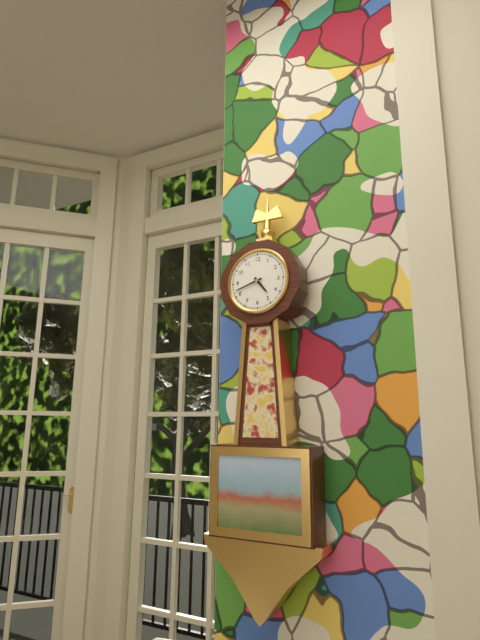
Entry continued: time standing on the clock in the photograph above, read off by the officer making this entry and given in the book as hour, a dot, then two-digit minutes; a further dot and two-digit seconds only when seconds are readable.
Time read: 4.42
